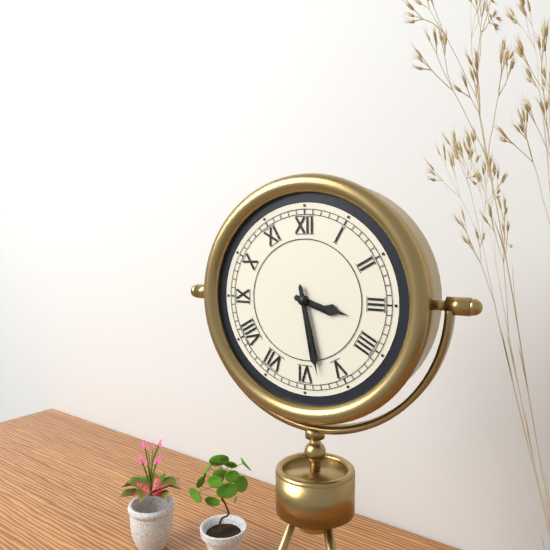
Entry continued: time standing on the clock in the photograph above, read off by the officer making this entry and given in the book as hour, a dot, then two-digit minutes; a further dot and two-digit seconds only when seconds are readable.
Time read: 3.28
